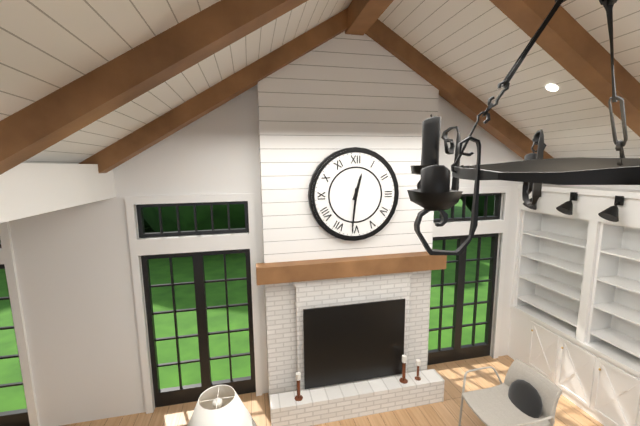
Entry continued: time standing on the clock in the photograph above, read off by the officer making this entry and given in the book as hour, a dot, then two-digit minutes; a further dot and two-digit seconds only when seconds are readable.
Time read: 12.31
